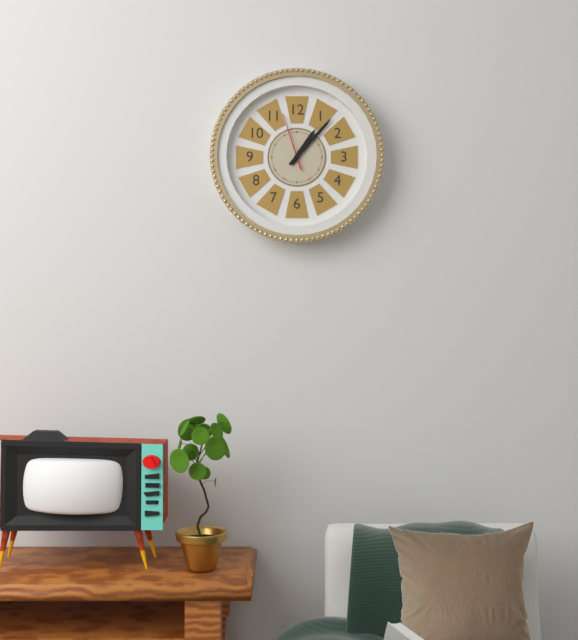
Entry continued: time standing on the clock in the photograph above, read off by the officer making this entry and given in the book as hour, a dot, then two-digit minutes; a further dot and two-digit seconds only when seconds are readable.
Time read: 1.07.57
